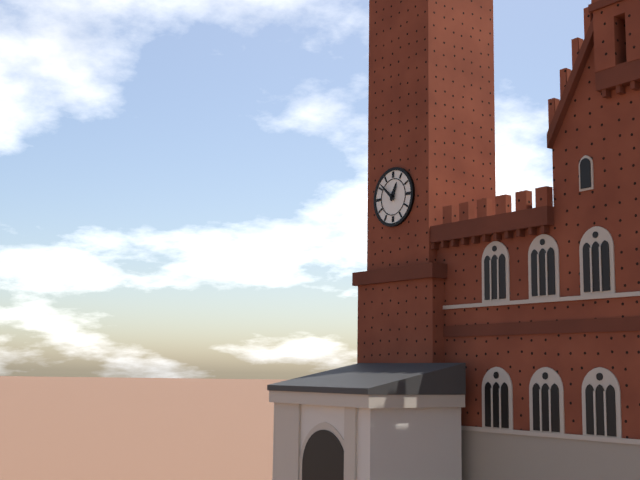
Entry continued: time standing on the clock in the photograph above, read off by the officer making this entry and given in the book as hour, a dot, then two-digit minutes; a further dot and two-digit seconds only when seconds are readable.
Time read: 12.52
